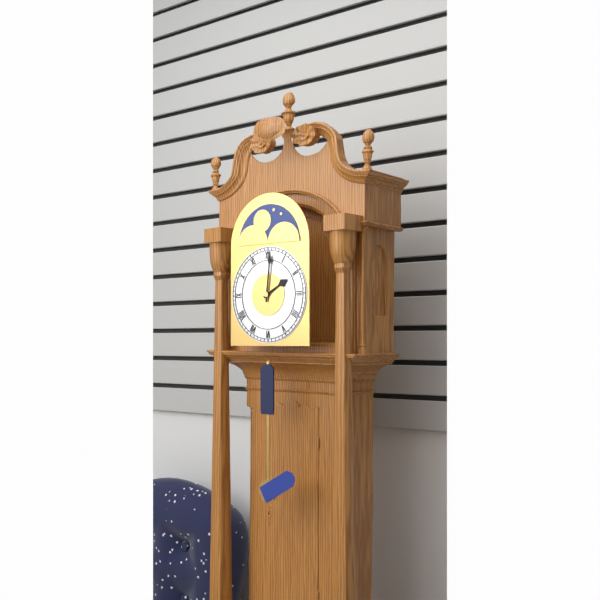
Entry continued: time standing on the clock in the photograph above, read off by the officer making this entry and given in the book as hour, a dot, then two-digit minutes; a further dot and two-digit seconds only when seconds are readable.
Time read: 2.01
